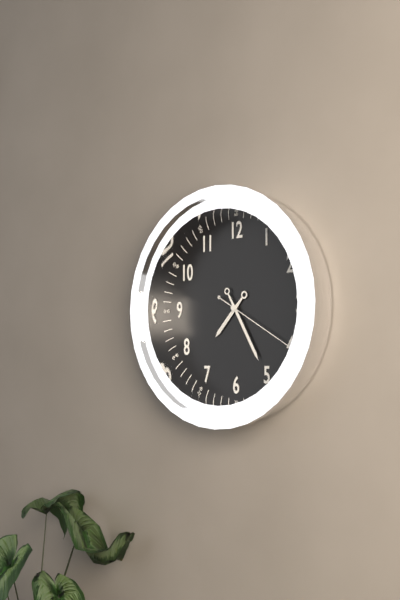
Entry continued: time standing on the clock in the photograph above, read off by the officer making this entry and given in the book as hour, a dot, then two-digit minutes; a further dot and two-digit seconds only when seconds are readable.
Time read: 7.25.20
